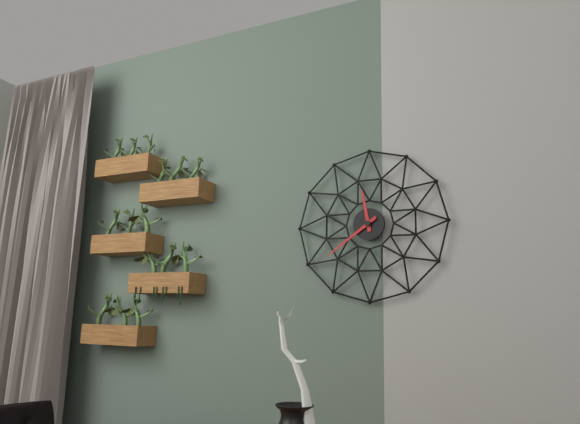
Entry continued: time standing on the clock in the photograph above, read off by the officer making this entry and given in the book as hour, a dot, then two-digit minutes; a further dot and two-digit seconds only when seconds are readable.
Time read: 11.39
